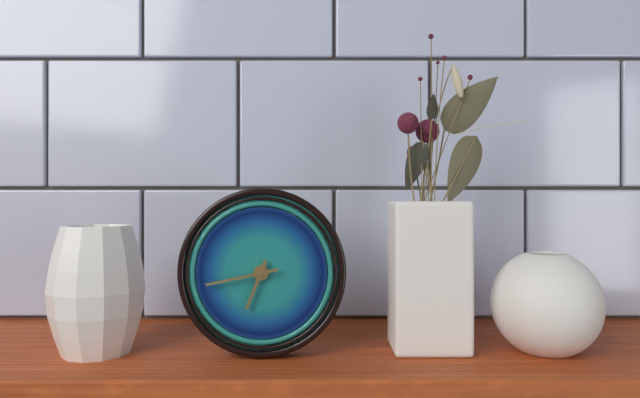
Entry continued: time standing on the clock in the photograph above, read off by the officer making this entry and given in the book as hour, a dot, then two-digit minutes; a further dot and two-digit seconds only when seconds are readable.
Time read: 6.43
